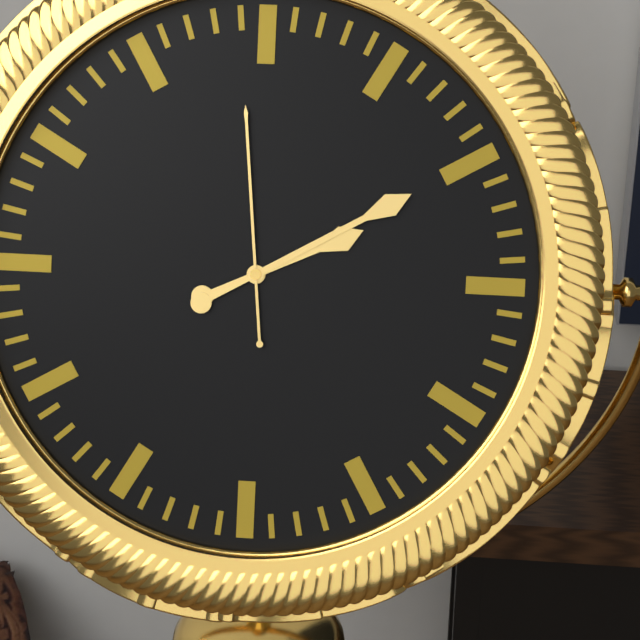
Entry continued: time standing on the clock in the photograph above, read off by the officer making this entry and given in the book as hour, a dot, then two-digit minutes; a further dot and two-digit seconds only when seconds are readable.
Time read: 2.10.59
